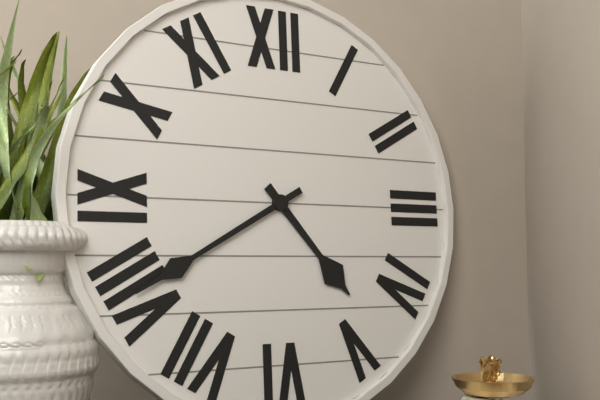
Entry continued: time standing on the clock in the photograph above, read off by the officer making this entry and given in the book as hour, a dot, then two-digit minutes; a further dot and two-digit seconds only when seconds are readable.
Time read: 4.40
